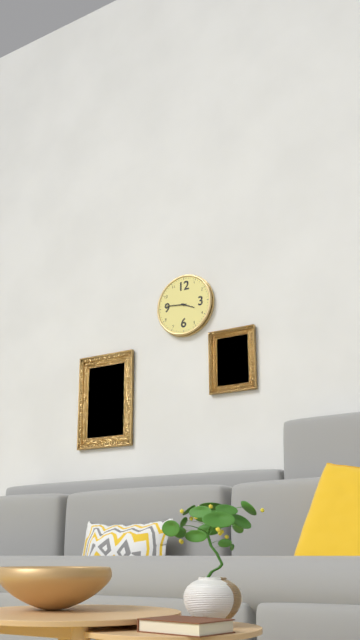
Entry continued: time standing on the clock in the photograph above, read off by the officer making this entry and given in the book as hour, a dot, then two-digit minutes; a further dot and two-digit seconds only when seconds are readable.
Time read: 3.46
